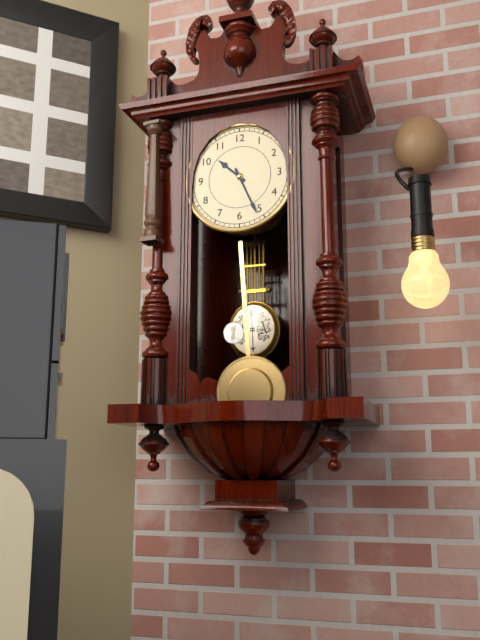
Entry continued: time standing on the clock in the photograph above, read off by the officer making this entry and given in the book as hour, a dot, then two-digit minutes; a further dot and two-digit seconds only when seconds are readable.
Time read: 10.26
